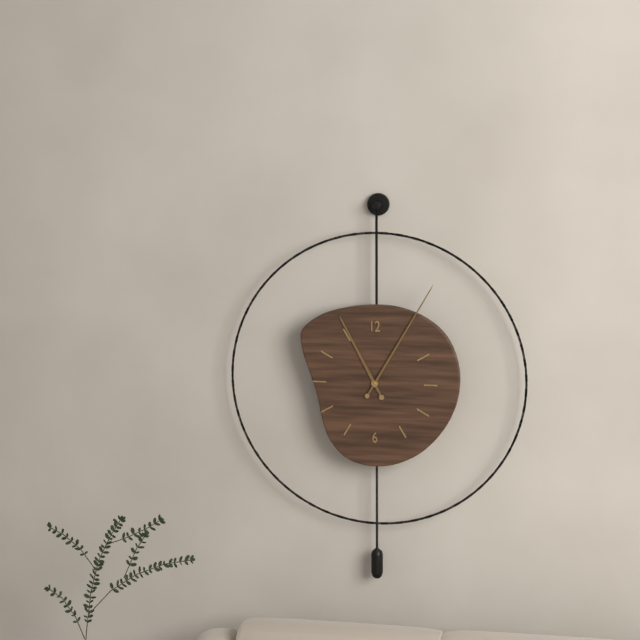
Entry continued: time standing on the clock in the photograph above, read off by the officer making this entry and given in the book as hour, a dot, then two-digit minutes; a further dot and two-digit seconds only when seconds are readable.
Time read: 11.05
